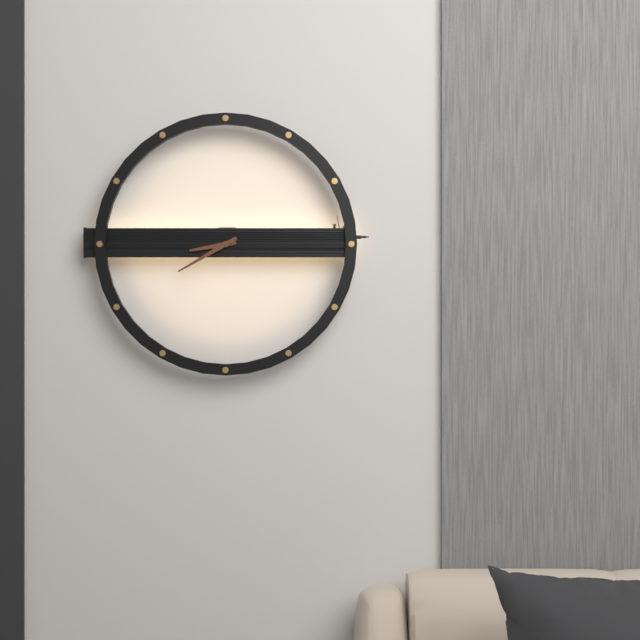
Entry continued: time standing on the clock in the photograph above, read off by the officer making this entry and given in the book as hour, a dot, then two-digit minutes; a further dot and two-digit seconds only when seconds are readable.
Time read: 8.40
